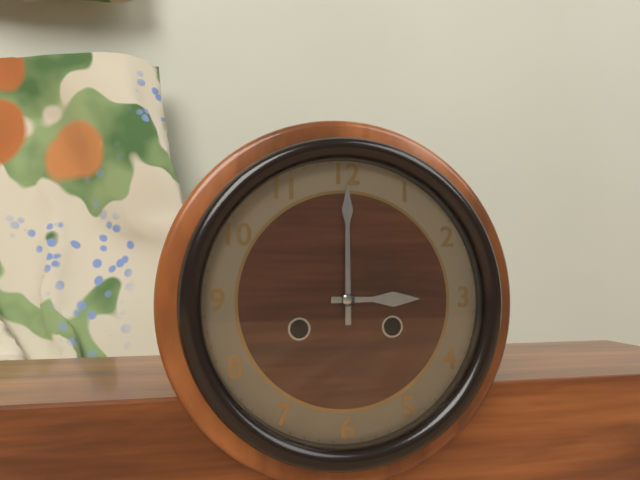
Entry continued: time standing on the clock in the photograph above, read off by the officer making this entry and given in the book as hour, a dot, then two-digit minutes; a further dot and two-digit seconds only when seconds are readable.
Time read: 3.00
